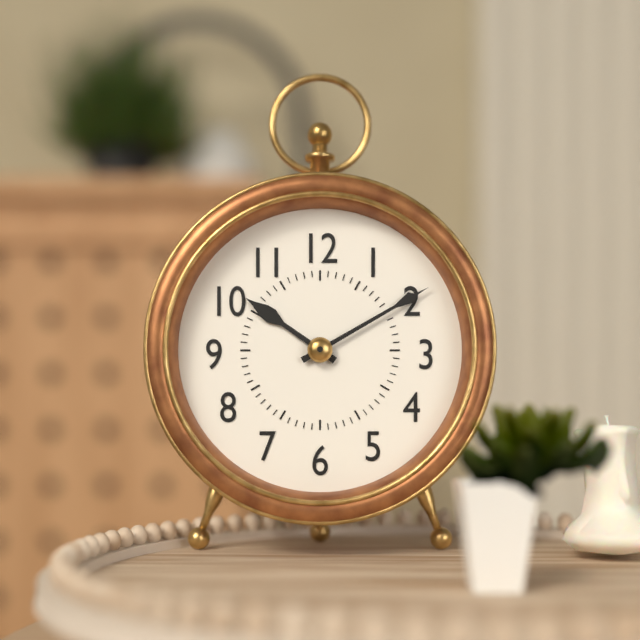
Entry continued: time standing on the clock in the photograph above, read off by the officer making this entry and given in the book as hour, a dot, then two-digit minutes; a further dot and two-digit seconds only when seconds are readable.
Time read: 10.10
